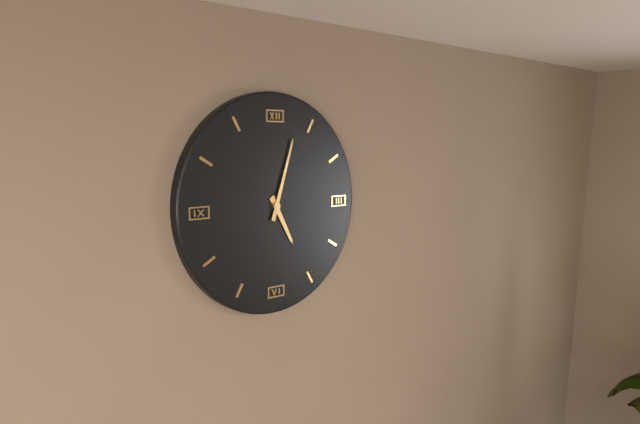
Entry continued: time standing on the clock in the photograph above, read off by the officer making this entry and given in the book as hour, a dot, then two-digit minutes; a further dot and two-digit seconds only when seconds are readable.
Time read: 5.03
